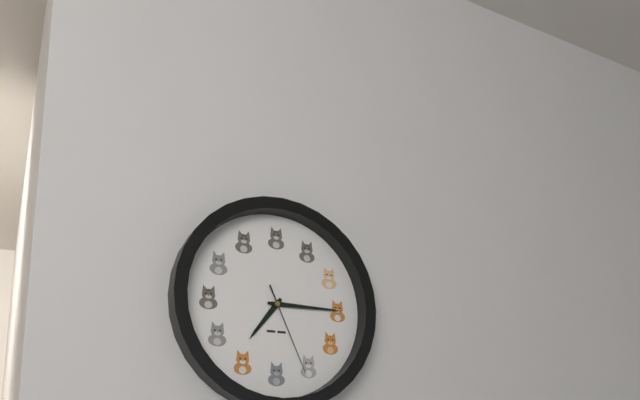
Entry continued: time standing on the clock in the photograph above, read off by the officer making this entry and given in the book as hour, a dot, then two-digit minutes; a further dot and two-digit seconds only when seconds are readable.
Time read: 7.15.26
